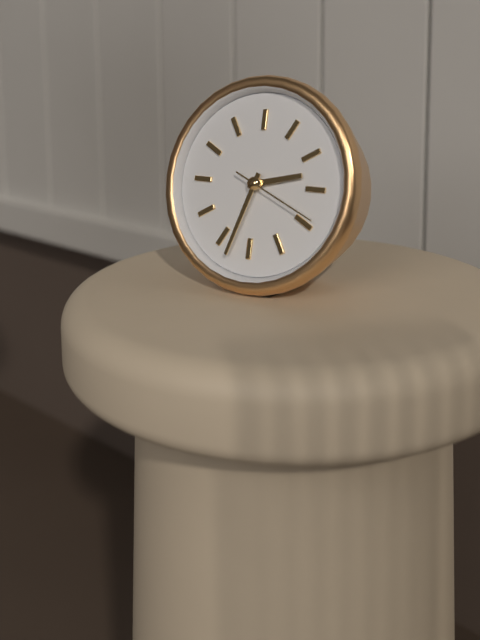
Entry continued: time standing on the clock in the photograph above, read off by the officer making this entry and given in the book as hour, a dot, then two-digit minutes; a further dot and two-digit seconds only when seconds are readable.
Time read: 2.33.19
